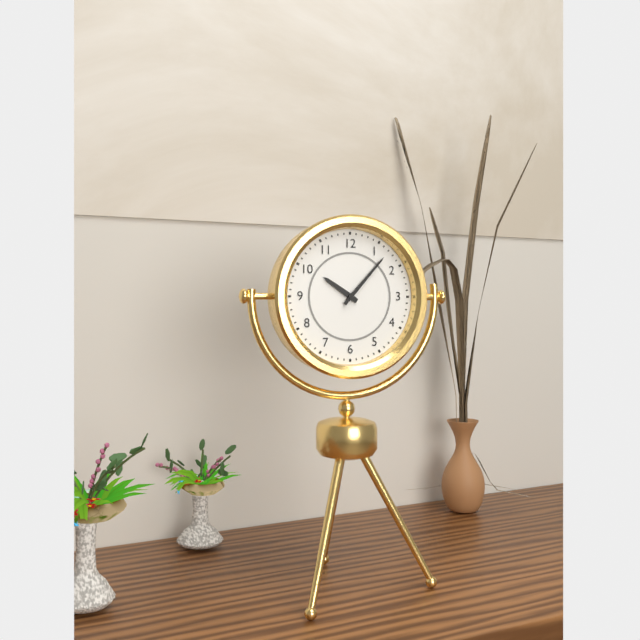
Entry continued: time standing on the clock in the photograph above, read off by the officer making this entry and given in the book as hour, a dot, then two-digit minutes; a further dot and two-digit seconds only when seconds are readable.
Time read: 10.07
